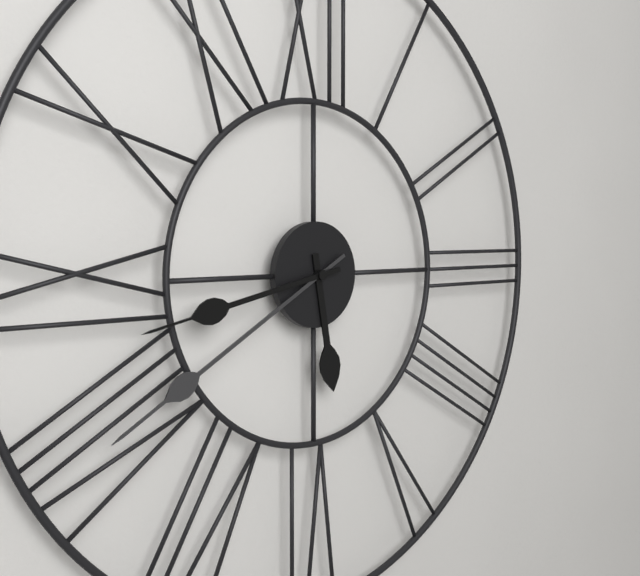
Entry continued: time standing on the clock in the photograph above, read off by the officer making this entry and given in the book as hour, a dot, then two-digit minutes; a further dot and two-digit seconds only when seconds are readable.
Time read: 5.40.43
